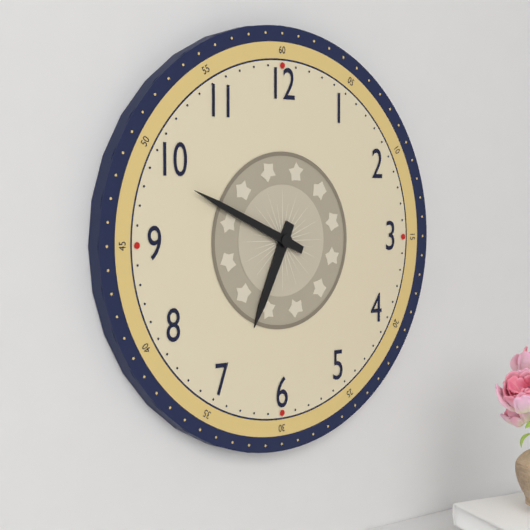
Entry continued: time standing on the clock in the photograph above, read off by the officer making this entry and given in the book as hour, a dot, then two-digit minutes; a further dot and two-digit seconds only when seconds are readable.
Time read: 6.49
